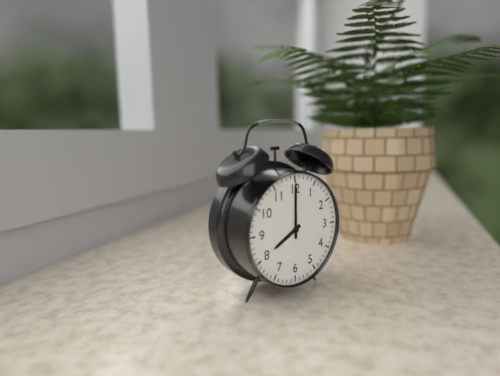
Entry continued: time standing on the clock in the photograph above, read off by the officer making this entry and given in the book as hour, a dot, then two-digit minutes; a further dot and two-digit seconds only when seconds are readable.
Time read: 8.00
